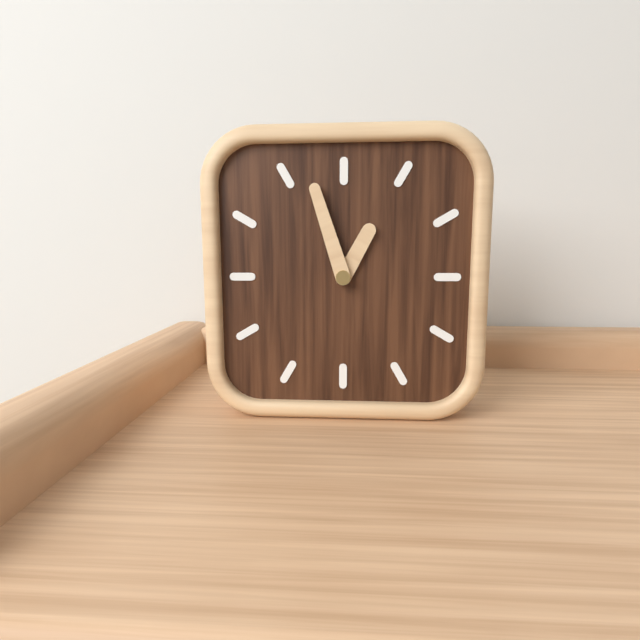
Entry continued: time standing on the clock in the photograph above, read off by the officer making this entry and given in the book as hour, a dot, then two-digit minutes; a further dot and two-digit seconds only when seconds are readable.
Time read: 12.57
